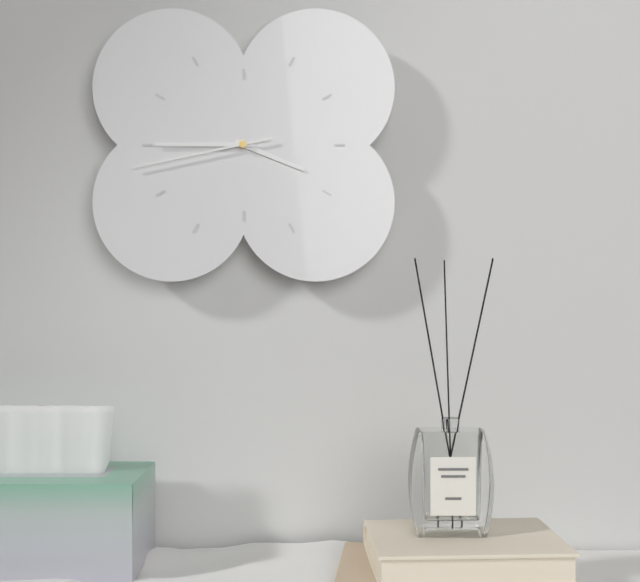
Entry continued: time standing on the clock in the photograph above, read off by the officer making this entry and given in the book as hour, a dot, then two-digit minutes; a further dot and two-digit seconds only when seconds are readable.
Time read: 3.45.43
